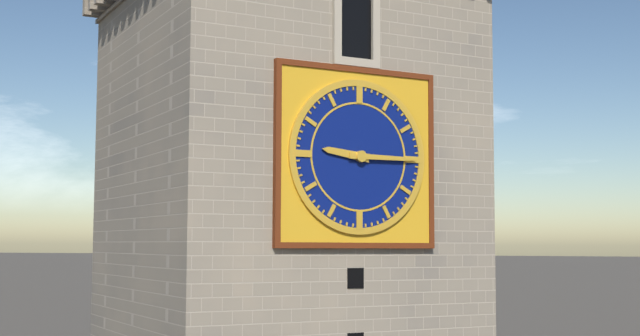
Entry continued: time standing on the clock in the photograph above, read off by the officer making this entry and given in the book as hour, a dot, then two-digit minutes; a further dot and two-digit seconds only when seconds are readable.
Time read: 9.15
